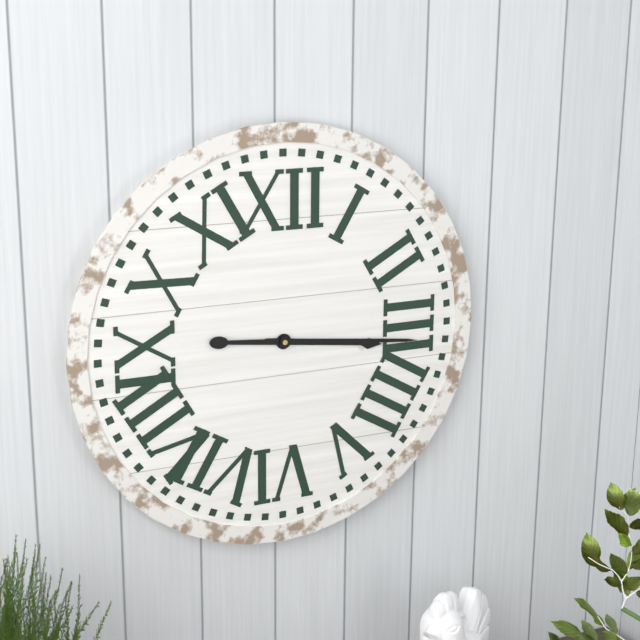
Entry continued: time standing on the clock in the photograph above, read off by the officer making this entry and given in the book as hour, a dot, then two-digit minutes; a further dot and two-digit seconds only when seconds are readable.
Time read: 3.16
